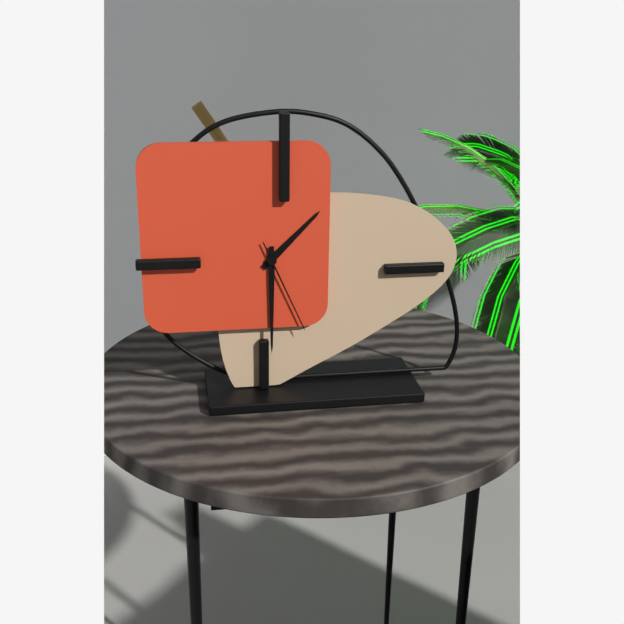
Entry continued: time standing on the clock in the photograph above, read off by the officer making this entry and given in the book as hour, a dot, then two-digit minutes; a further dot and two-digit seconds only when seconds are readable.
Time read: 1.30.26
